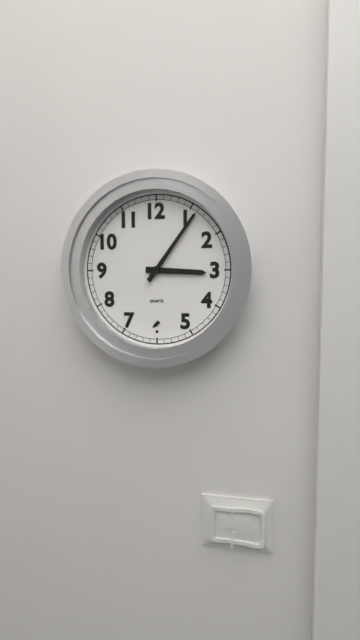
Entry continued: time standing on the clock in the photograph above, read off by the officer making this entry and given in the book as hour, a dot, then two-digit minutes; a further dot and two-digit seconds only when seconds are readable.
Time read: 3.06
